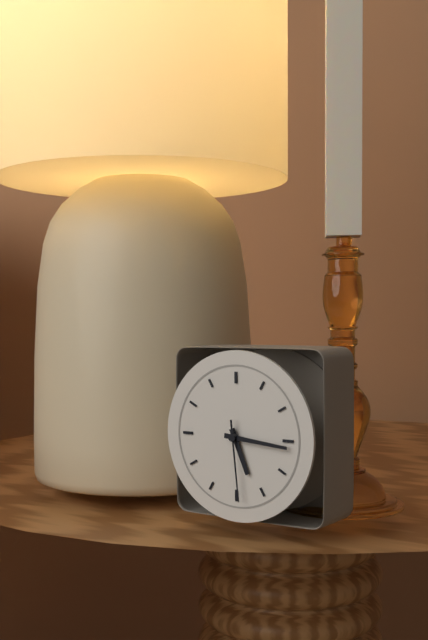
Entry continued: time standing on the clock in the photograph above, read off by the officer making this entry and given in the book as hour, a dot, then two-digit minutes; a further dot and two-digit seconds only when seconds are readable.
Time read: 5.16.29
